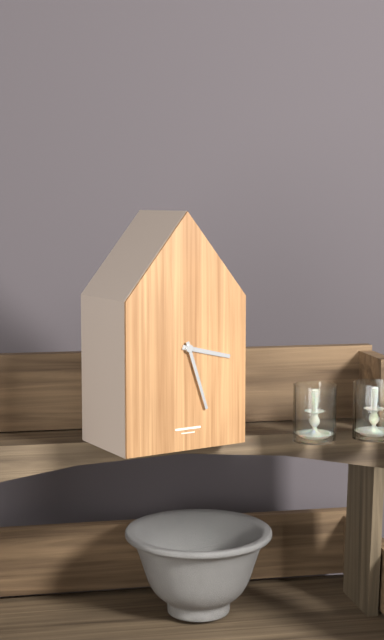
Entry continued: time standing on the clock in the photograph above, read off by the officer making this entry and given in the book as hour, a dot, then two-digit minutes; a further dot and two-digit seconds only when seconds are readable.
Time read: 3.27
